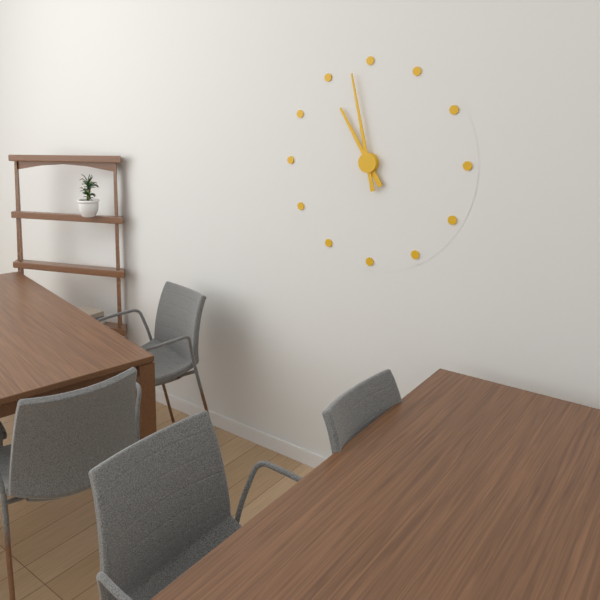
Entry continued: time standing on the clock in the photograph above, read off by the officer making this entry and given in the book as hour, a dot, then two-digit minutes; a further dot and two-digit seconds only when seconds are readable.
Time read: 10.58
